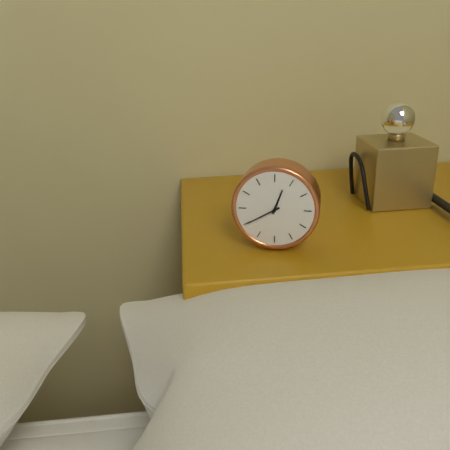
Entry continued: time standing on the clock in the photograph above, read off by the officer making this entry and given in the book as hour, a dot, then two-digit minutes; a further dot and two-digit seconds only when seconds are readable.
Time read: 12.40
